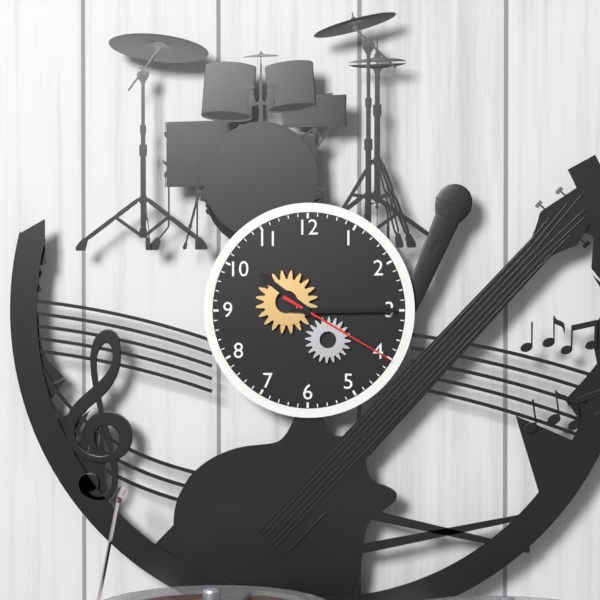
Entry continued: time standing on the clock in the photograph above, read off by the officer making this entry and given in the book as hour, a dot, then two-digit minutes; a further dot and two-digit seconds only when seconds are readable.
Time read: 10.15.20
